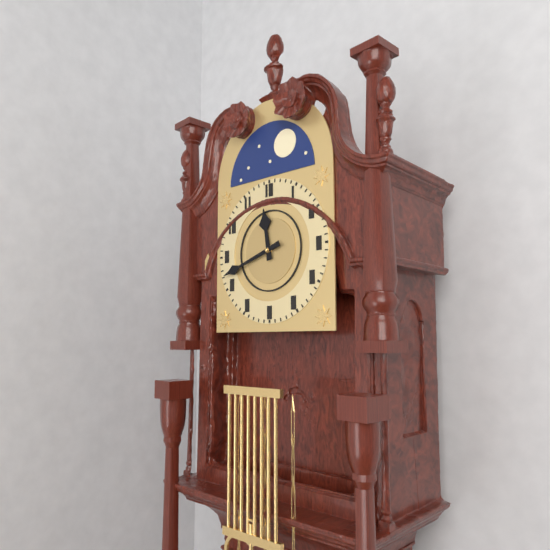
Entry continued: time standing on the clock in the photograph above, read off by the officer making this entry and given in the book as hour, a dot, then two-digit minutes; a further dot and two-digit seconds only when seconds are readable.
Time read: 11.42
